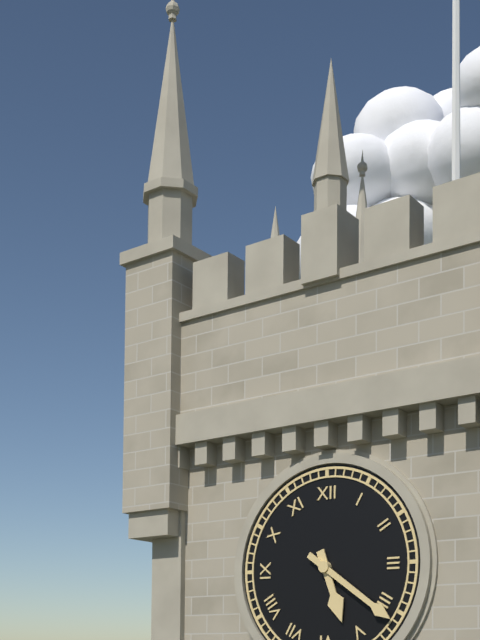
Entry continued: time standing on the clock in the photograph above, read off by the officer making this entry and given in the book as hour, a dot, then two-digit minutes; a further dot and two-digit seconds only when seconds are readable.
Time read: 5.21
